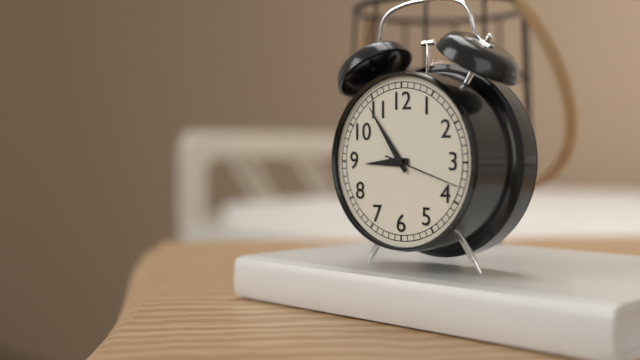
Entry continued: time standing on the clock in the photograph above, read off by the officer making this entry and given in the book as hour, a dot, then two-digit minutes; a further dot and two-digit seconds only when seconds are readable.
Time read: 8.54.18
